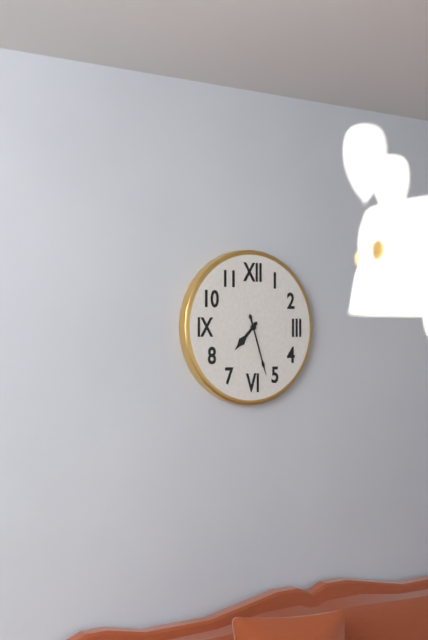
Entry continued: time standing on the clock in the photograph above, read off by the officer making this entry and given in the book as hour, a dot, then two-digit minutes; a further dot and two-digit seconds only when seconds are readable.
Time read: 7.27
